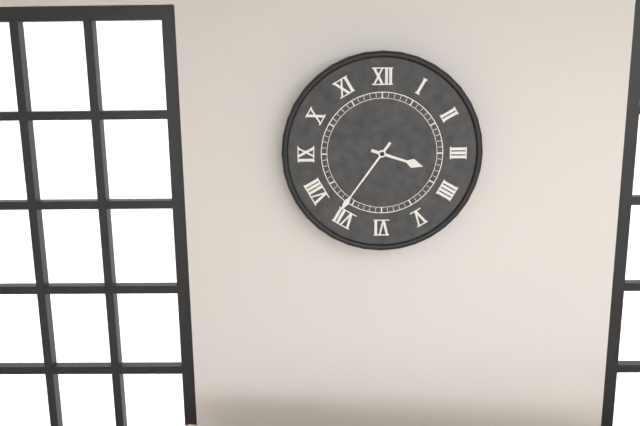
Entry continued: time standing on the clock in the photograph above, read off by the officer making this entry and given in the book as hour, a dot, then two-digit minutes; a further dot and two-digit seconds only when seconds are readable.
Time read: 3.36
